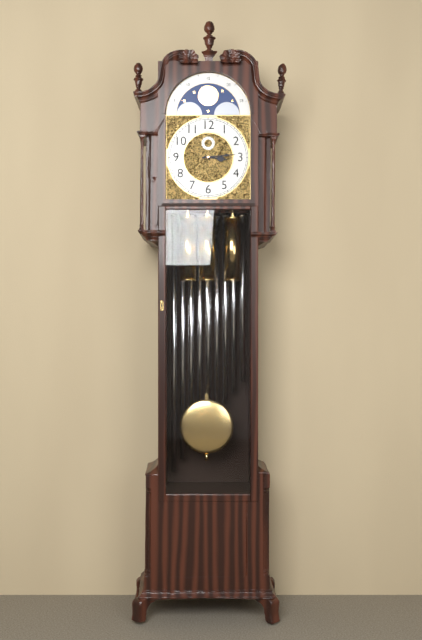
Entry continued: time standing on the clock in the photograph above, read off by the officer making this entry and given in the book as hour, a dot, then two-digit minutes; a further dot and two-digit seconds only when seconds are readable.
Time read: 3.14
